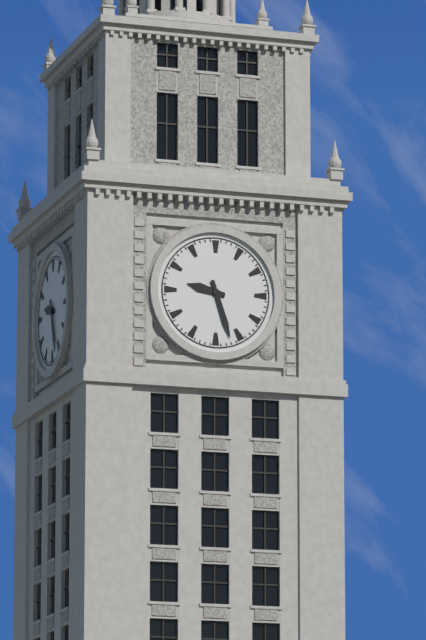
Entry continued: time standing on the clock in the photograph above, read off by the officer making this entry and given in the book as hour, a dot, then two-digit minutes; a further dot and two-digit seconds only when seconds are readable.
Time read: 9.27
